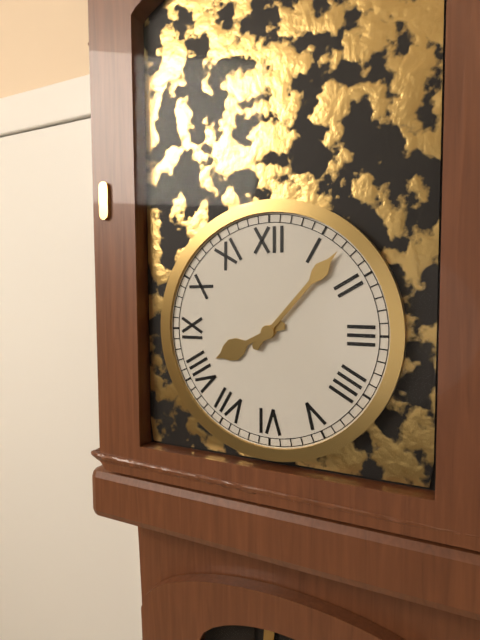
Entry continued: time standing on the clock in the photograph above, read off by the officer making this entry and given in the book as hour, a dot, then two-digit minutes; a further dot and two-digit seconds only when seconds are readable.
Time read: 8.07
